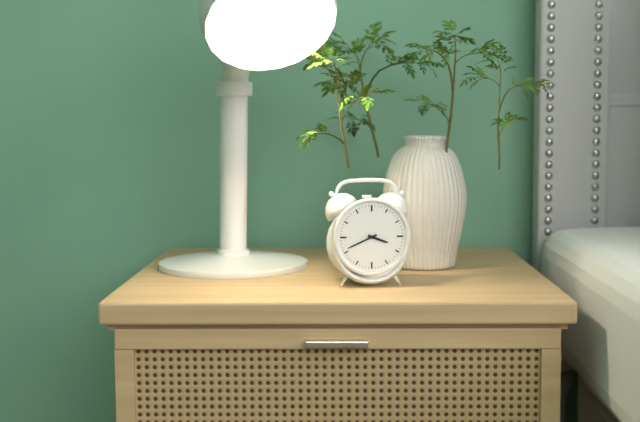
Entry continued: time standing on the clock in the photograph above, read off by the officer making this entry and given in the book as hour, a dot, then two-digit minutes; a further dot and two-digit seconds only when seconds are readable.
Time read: 3.41
